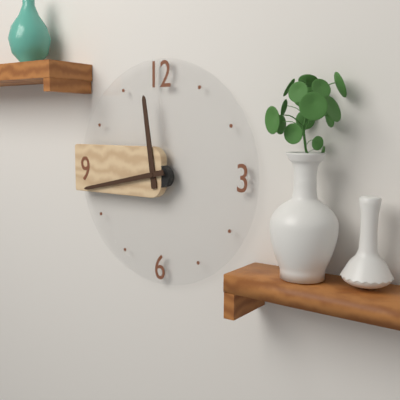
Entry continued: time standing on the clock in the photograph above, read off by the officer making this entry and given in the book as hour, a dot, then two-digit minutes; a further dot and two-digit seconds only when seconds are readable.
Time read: 11.43
